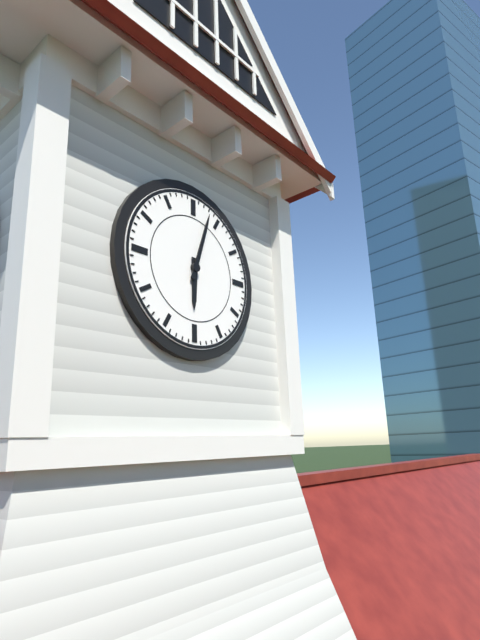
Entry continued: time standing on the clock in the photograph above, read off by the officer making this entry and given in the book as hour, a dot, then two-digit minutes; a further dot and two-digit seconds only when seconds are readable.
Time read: 6.03
